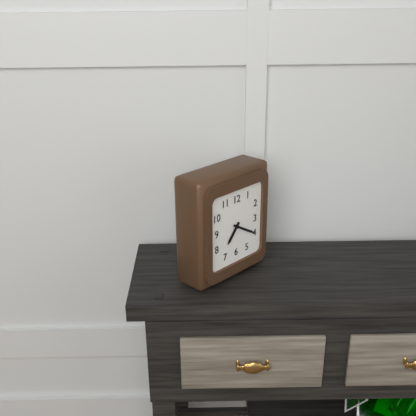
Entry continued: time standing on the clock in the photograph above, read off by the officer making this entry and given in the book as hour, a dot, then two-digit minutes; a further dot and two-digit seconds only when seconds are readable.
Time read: 7.20
